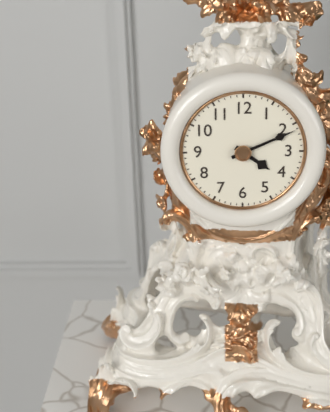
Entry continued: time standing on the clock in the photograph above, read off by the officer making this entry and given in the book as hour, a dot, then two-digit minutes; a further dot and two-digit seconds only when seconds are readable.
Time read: 4.11
